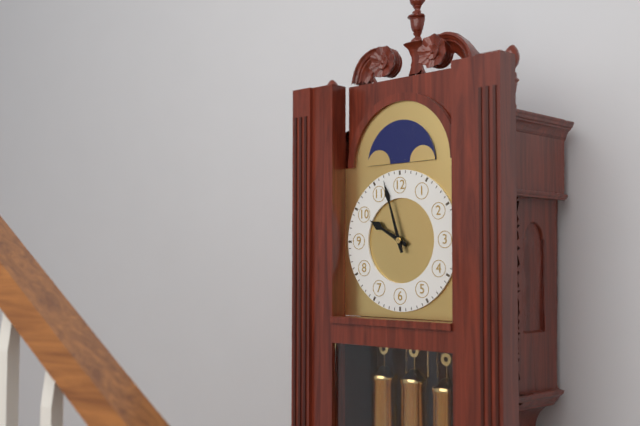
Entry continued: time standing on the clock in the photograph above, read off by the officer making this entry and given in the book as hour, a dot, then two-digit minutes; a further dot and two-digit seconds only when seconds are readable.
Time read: 9.57
